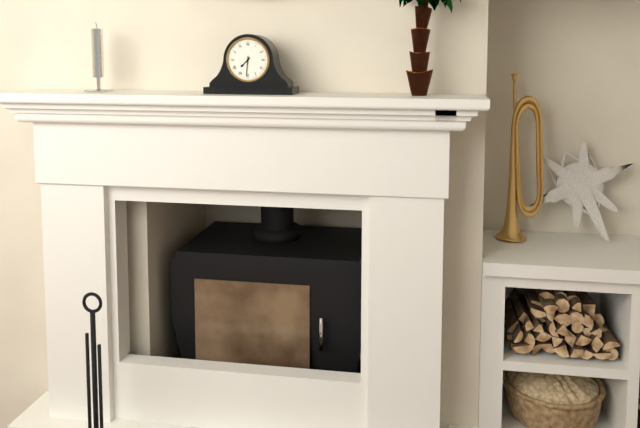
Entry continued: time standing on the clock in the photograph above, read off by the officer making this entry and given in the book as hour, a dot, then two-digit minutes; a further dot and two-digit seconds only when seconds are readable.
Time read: 7.31
